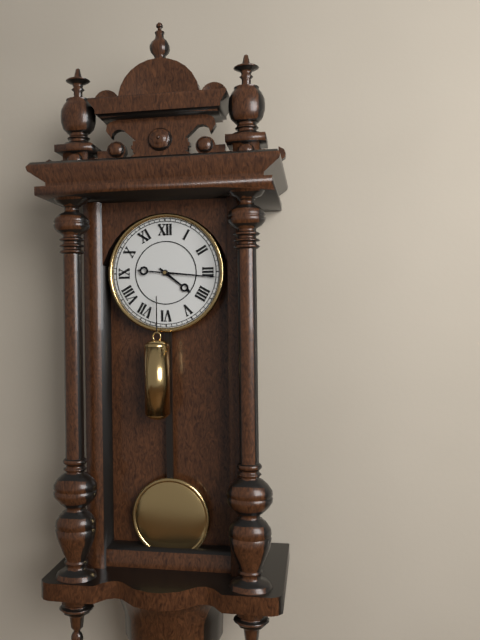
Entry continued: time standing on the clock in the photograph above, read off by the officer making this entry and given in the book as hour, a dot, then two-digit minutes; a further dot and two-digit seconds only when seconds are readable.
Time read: 4.16
